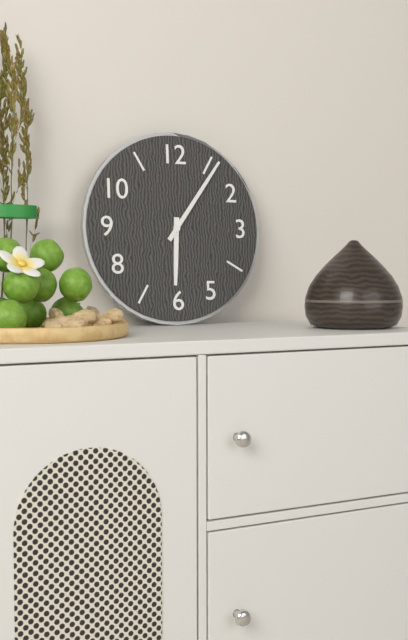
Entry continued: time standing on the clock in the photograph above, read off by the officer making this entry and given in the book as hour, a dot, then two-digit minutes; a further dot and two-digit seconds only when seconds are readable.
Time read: 6.06
